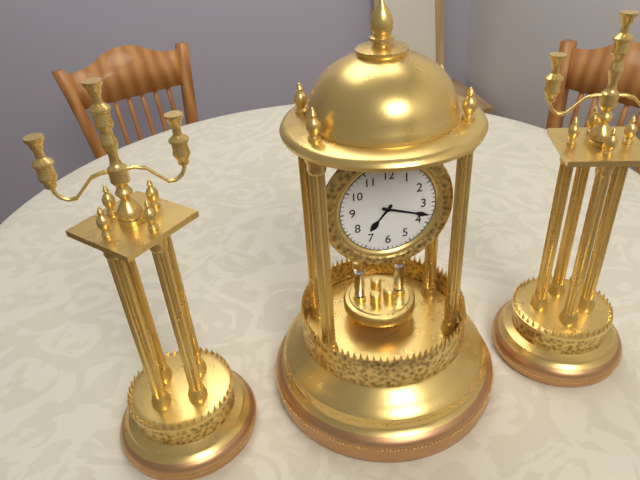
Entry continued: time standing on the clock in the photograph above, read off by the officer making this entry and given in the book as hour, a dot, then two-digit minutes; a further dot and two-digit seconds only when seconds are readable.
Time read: 7.18
